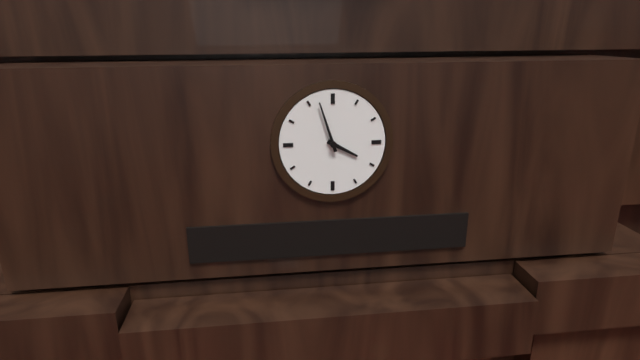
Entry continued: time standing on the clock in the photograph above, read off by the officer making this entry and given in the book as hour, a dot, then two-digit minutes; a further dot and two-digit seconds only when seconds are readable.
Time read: 3.57
